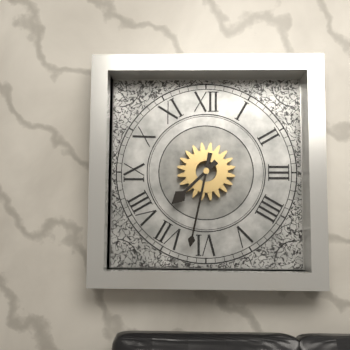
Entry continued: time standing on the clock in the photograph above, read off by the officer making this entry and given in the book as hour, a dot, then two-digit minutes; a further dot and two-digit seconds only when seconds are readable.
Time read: 7.32
